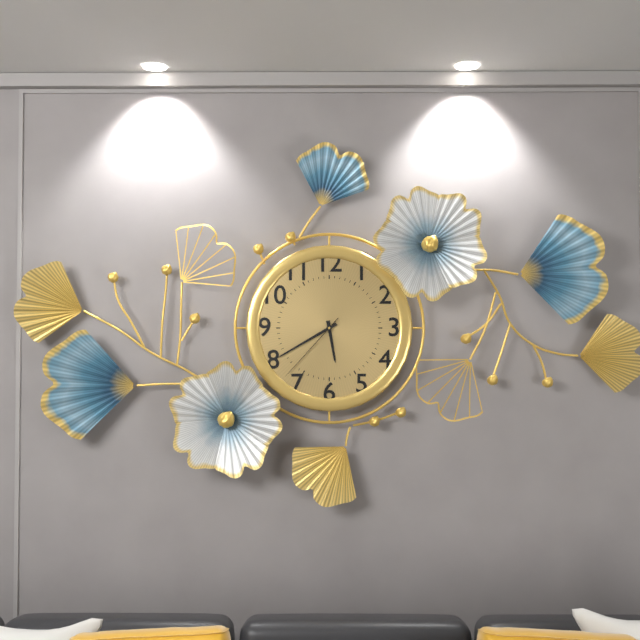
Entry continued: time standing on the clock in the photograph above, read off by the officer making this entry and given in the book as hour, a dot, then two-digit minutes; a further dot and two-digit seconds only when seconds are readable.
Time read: 5.40.37
